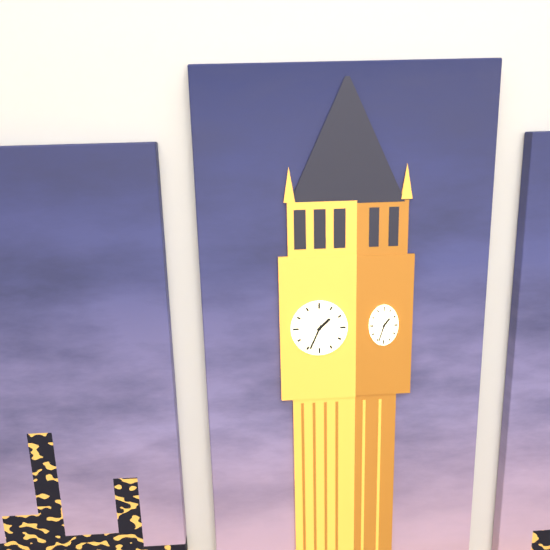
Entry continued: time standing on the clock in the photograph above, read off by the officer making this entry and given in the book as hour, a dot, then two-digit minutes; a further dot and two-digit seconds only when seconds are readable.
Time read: 1.34
